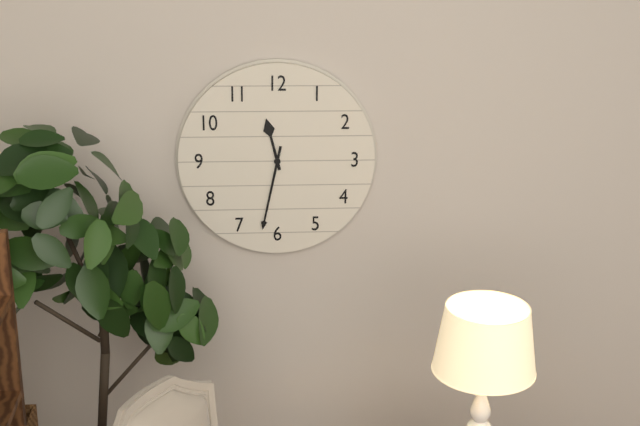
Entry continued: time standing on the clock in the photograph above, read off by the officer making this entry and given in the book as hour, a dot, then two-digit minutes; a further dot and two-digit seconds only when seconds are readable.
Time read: 11.32
